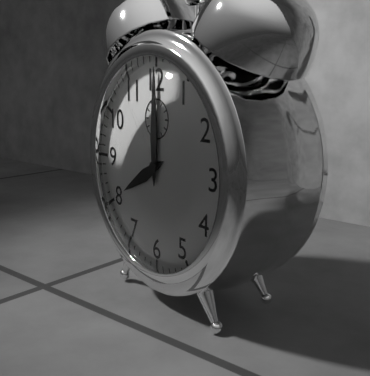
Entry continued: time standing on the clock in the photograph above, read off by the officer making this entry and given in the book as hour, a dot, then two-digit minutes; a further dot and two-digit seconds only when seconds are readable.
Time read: 8.00
